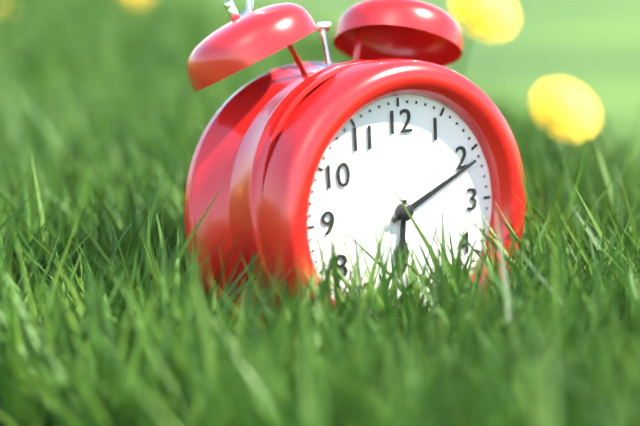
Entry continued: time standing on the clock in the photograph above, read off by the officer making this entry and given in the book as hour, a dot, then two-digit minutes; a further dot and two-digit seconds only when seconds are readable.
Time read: 6.11
